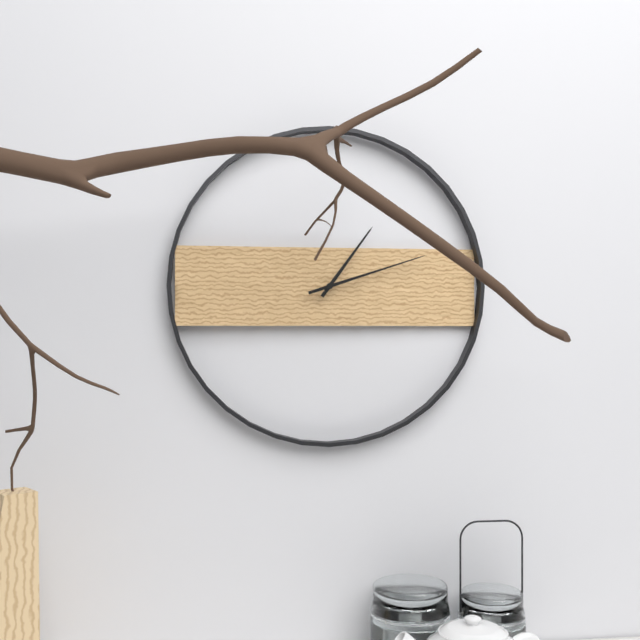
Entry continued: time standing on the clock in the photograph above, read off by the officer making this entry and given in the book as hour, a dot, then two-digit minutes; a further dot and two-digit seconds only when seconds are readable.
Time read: 1.12
